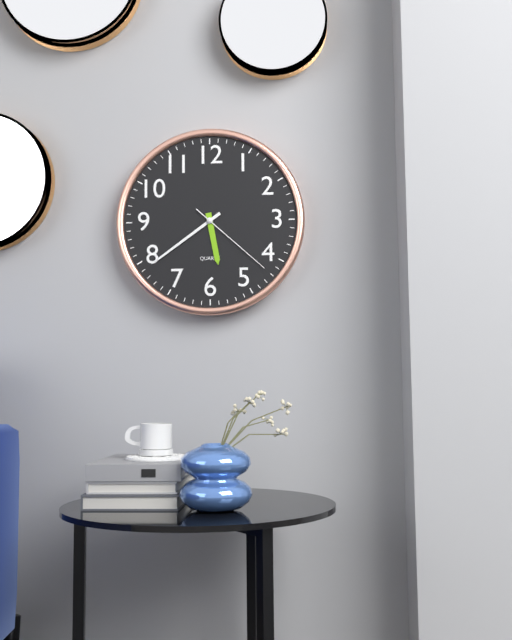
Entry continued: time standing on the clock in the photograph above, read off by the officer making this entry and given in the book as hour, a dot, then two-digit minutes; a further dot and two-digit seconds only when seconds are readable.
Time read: 5.39.22
